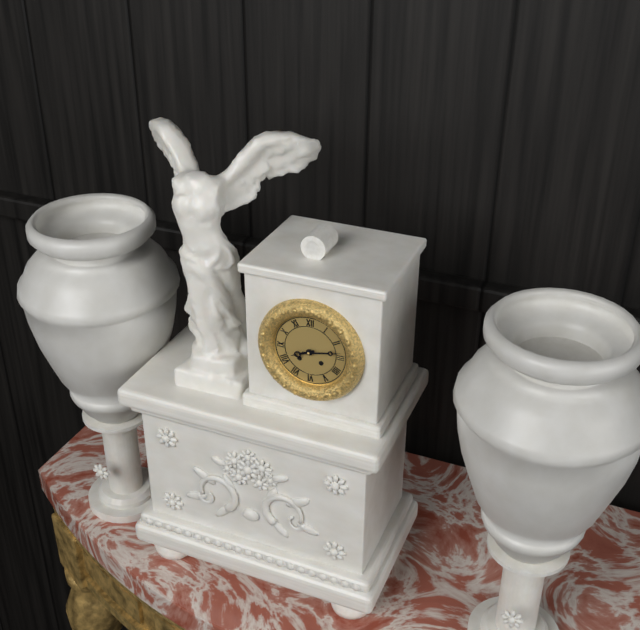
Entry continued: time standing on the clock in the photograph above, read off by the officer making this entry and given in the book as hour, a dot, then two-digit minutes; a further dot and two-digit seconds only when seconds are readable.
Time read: 8.13
